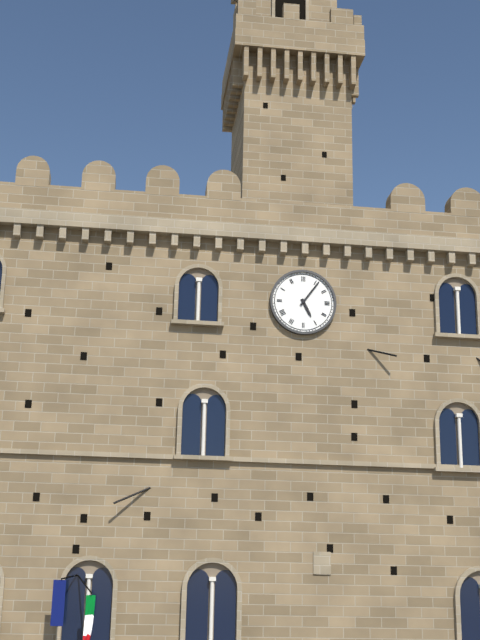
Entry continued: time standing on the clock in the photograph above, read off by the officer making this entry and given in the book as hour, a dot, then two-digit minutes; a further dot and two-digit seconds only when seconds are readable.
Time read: 5.06
